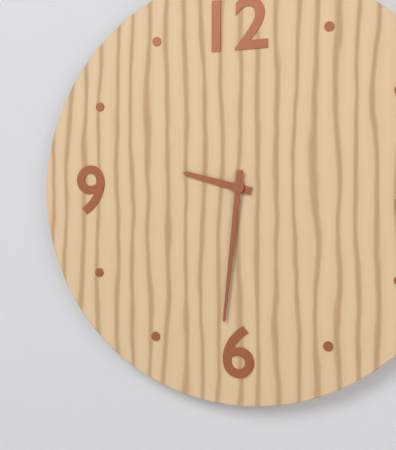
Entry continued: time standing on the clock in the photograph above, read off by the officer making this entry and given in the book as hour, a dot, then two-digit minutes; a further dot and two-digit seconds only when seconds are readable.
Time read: 9.31
